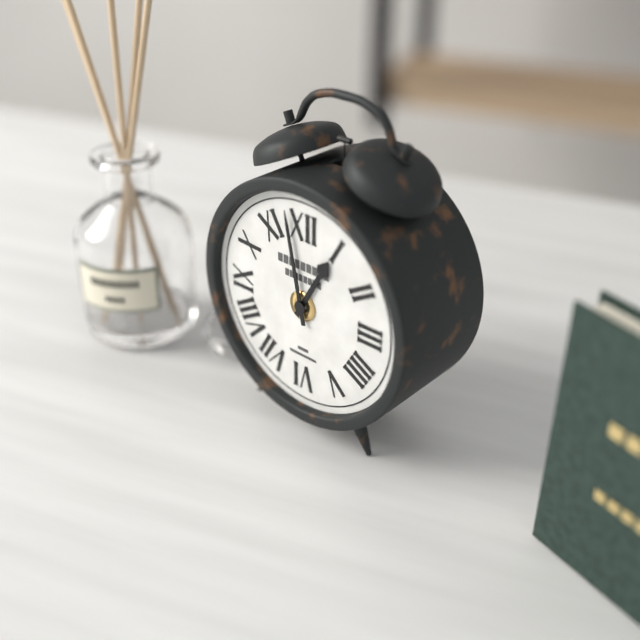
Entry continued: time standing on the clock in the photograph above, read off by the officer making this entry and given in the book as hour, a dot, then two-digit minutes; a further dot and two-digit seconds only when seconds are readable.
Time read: 12.58
